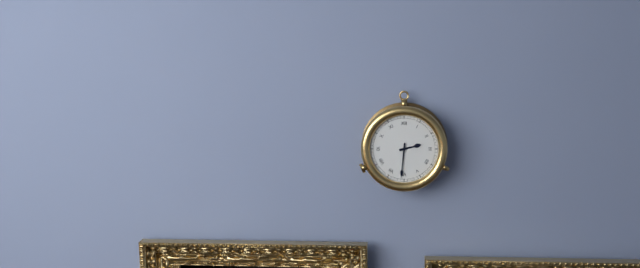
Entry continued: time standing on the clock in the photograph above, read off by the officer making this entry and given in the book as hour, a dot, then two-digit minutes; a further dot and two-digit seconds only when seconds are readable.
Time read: 2.31
